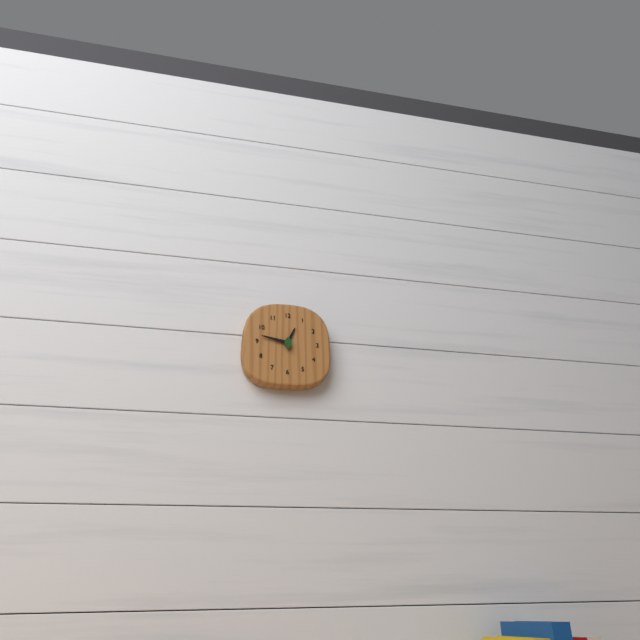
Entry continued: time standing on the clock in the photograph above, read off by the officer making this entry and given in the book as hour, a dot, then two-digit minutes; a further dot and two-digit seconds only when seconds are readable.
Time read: 12.47
